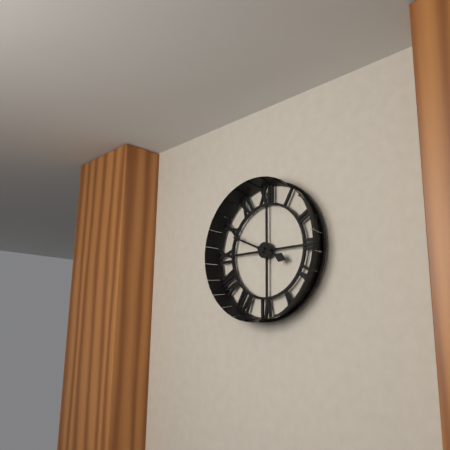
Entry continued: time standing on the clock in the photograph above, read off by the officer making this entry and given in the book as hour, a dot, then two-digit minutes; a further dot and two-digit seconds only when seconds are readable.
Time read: 3.49
